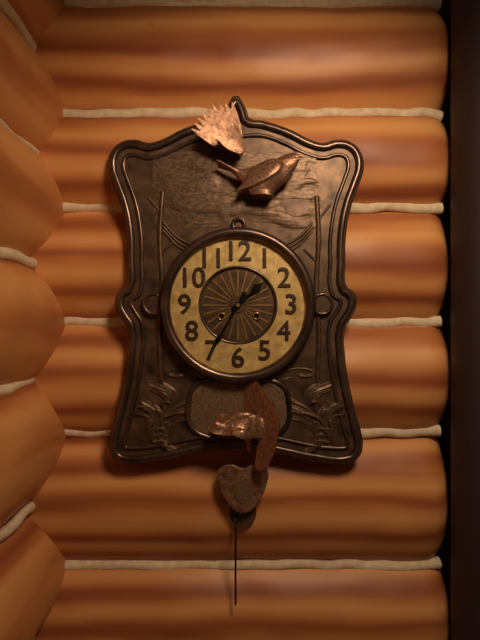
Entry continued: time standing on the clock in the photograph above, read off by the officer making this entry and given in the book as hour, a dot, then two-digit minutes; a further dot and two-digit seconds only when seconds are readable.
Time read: 1.35
